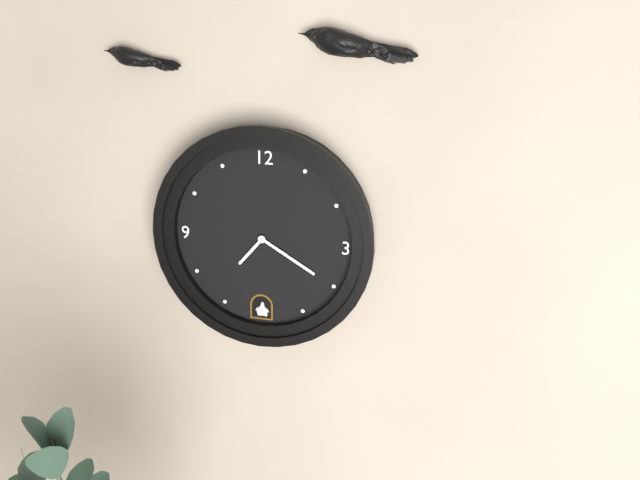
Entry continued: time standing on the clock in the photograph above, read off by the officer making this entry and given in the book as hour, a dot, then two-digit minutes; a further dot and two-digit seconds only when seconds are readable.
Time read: 7.20
